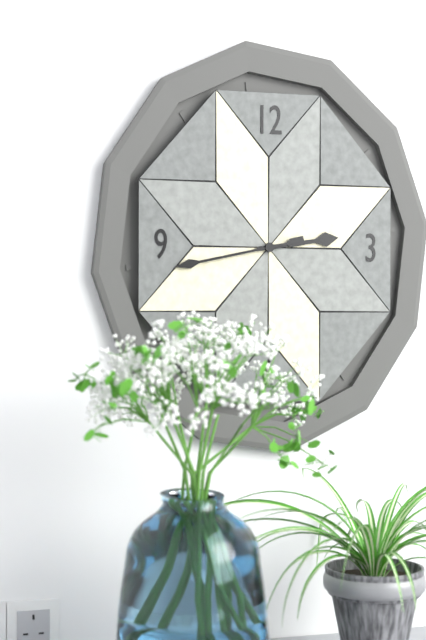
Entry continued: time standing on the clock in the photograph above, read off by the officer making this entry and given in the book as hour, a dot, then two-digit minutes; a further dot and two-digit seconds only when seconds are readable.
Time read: 2.43
